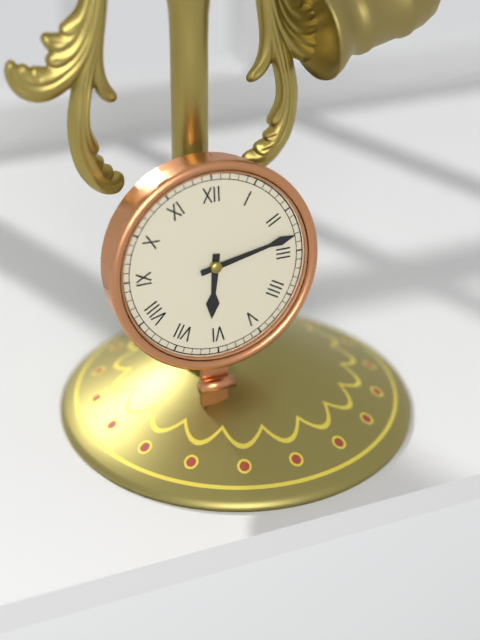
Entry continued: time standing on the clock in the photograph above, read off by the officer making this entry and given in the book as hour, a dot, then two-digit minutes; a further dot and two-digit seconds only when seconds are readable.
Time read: 6.13
